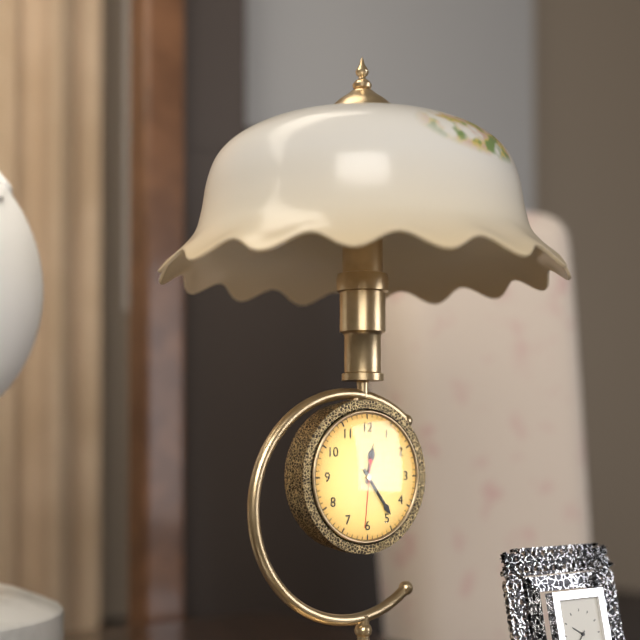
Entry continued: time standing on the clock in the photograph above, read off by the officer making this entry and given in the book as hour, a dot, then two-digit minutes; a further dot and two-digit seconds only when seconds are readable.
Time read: 12.24.31
